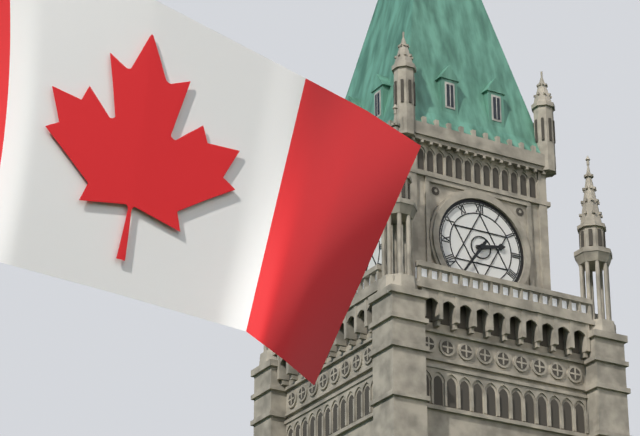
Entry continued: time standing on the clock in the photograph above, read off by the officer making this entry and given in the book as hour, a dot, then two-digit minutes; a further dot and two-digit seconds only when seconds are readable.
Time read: 2.36
